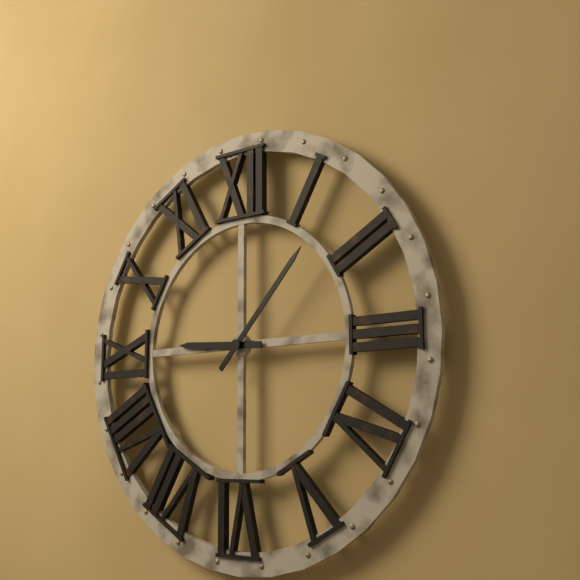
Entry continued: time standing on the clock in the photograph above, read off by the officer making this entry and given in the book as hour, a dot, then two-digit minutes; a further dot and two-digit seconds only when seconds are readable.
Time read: 9.07
